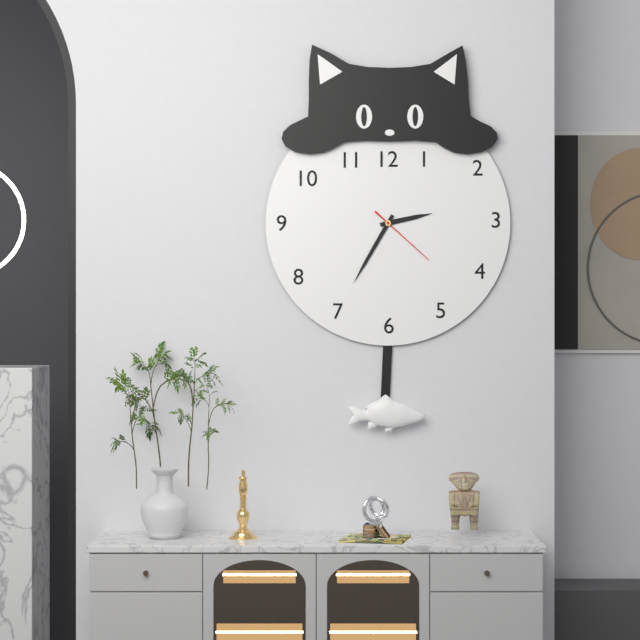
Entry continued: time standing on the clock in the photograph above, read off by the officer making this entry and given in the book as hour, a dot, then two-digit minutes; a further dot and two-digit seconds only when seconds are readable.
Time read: 2.35.22
